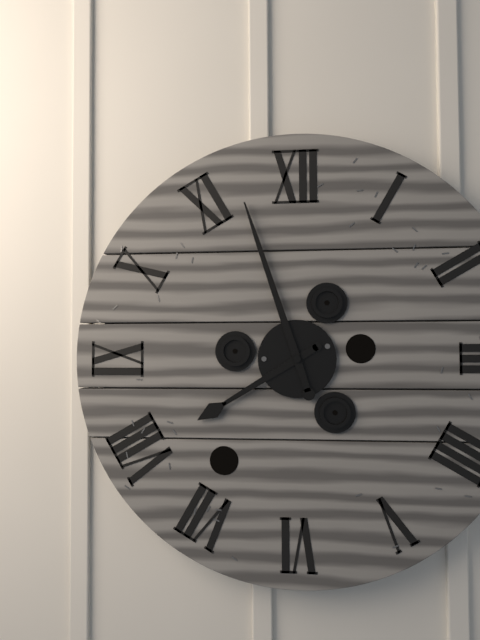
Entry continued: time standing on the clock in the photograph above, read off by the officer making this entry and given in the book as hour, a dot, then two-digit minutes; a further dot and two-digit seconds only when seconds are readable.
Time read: 7.57
